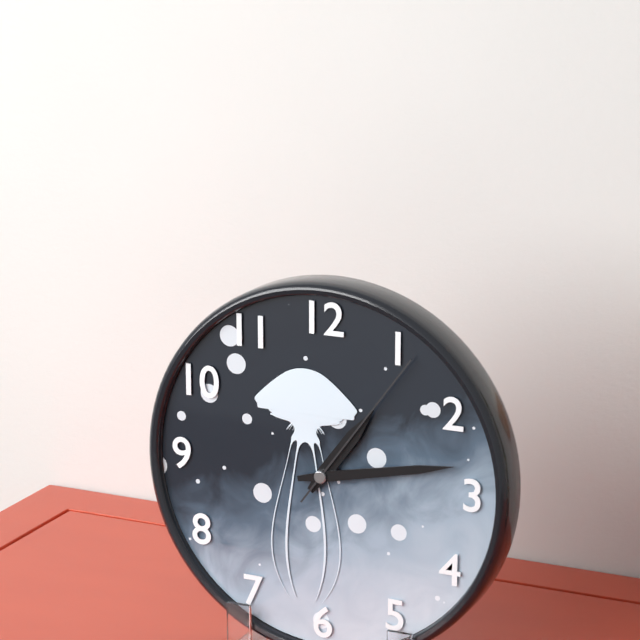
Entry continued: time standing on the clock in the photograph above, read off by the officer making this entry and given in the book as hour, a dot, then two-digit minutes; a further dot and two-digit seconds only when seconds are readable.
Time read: 1.13.06
